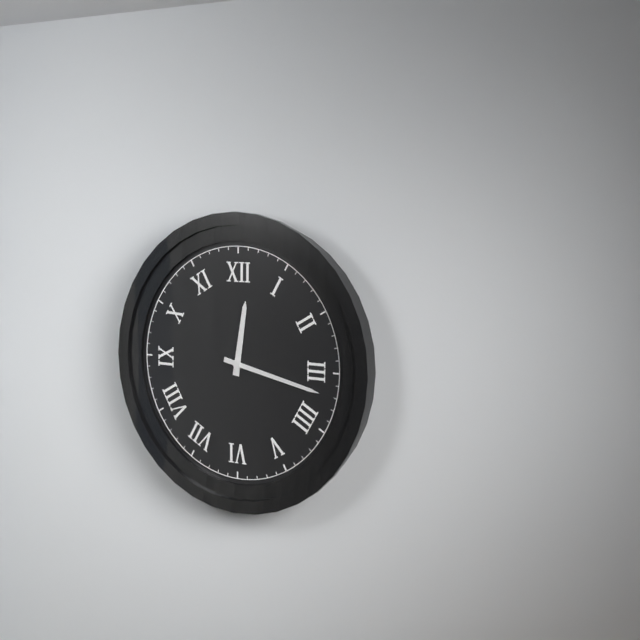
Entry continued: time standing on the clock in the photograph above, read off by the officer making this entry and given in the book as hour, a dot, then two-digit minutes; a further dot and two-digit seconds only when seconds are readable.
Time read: 12.17
